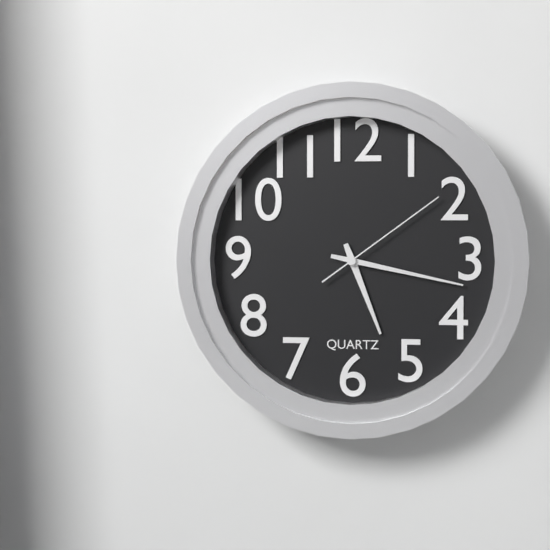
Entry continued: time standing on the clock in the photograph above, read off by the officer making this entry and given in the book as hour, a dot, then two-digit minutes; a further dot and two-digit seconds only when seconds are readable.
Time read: 5.17.09
